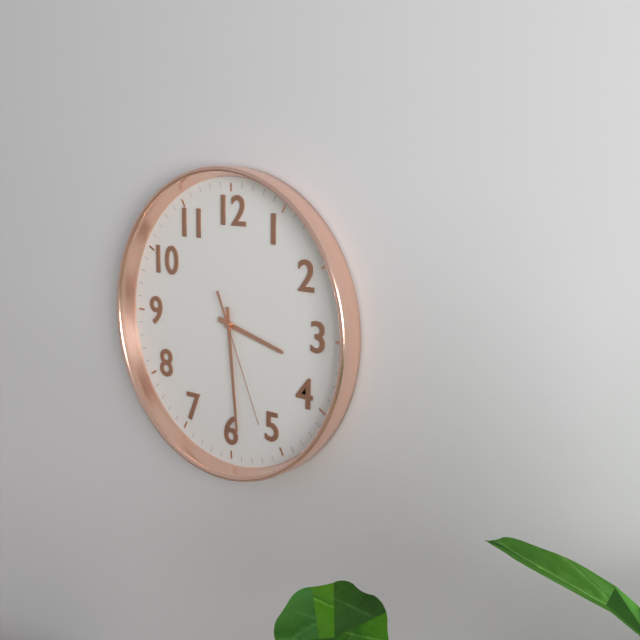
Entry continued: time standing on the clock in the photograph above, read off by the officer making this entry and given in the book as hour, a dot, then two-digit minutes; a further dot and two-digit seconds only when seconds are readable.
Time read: 3.29.26
